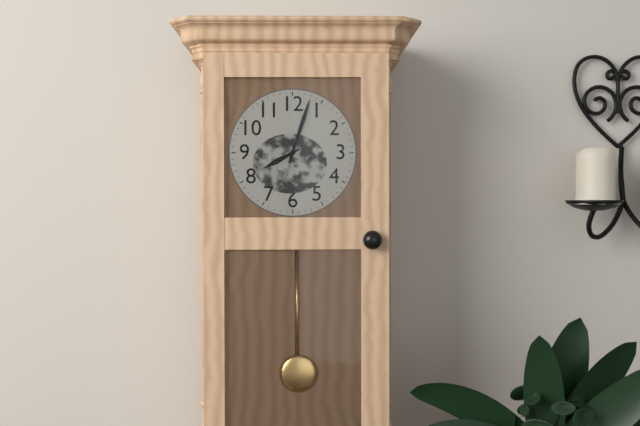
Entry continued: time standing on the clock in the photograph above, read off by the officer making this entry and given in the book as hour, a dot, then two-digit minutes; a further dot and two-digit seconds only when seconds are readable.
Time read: 8.03
